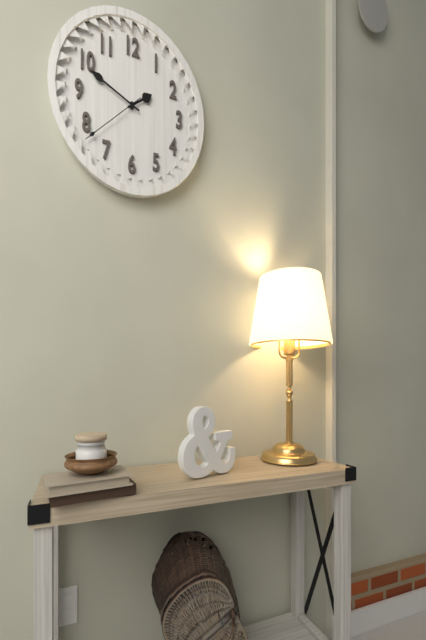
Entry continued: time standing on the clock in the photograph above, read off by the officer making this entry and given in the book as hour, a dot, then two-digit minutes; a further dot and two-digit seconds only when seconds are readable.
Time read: 1.49.38
